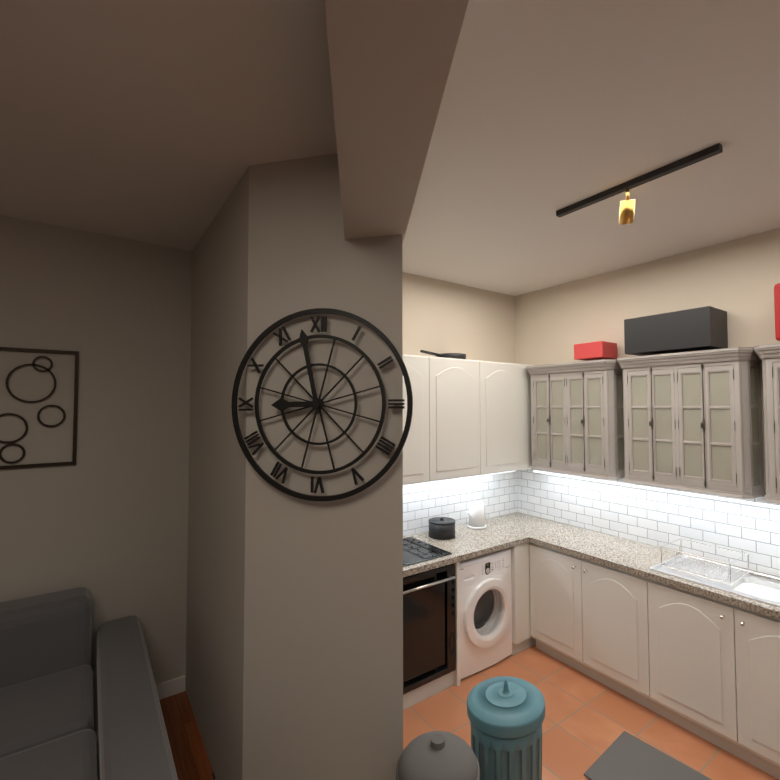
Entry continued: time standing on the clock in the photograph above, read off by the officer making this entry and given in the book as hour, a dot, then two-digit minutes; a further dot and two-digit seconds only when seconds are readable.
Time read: 8.58
